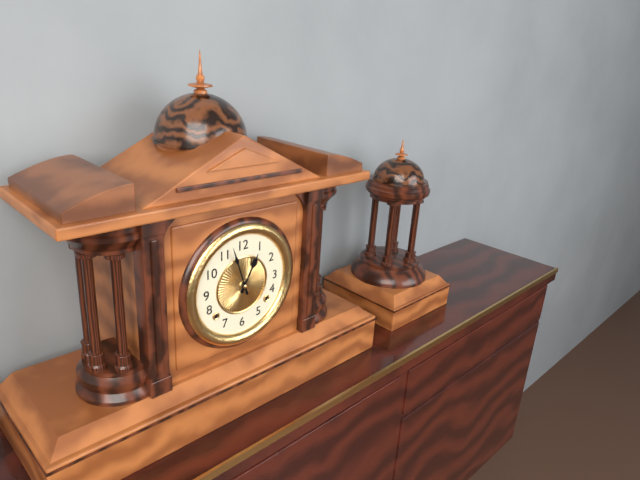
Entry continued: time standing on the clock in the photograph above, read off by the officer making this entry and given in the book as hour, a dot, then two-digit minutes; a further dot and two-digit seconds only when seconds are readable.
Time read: 12.57
